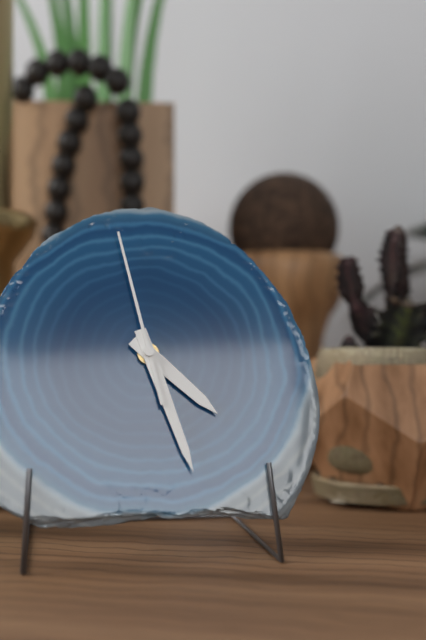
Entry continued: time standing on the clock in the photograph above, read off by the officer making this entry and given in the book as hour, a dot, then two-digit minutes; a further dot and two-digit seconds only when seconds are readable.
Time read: 4.27.58
